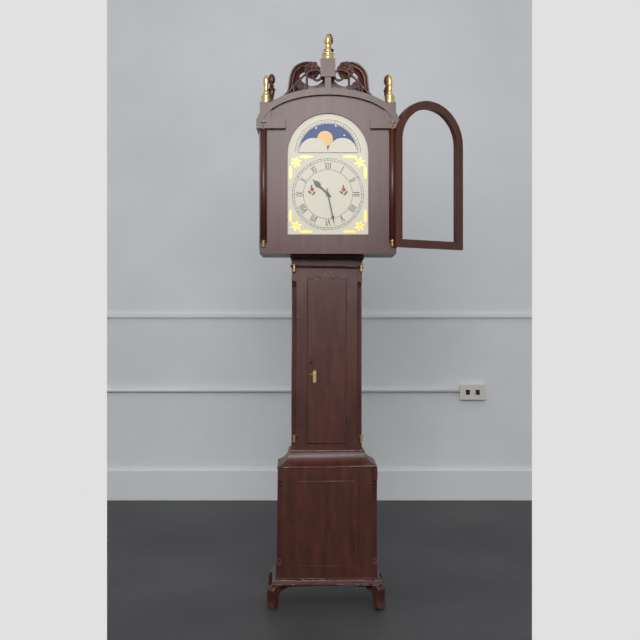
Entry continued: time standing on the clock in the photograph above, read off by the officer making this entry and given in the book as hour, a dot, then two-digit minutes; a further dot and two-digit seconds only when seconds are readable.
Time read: 10.28
